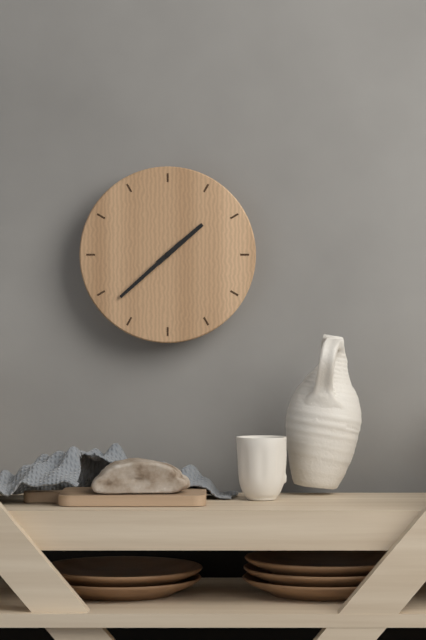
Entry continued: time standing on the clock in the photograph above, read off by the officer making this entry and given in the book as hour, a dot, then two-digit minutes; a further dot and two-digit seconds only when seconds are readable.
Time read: 1.38
